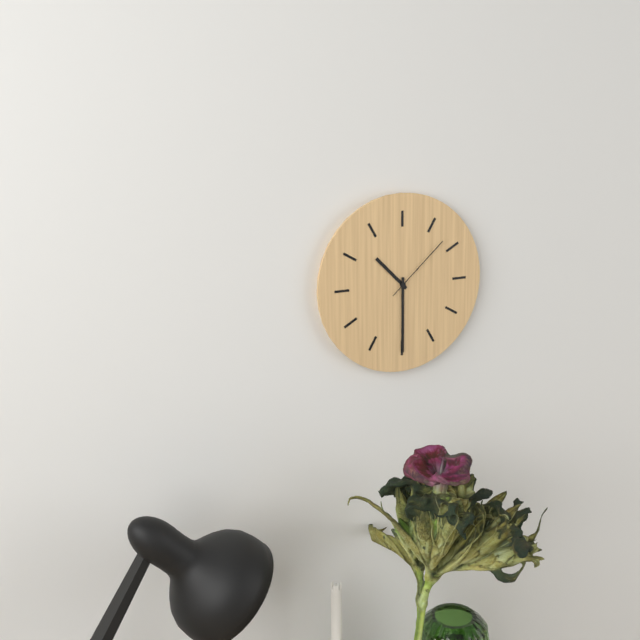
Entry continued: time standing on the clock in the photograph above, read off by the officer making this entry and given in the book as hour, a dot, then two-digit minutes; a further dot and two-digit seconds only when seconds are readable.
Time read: 10.30.08
